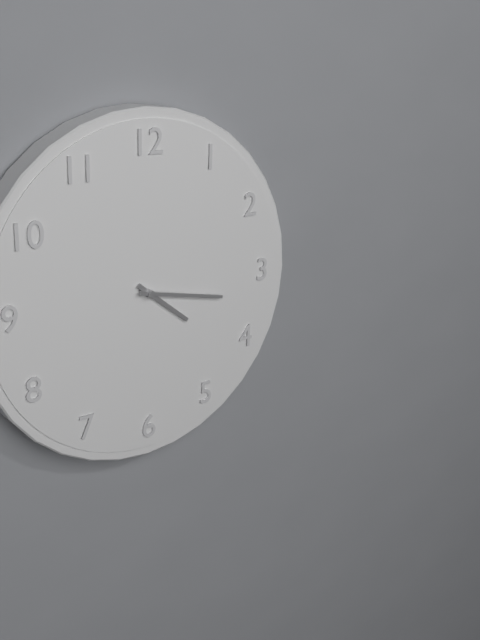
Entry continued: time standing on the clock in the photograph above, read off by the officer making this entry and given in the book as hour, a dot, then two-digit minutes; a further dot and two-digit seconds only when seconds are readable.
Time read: 4.17
